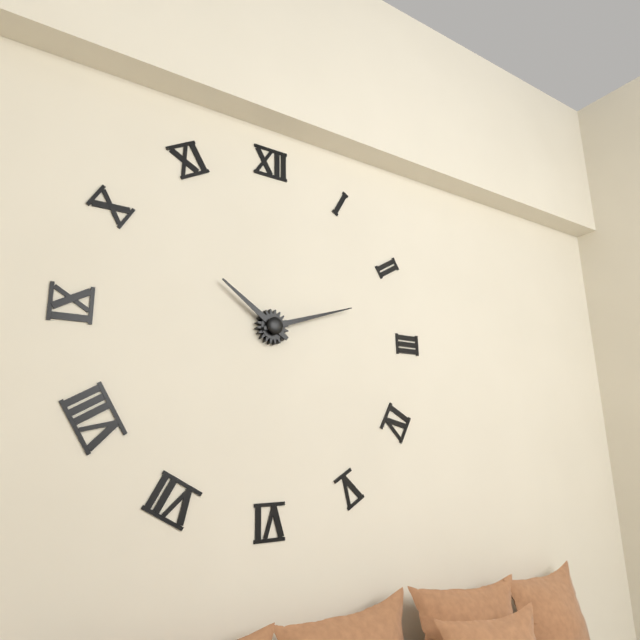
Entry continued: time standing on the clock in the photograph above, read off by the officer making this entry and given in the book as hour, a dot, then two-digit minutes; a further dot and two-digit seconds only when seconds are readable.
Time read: 10.12
